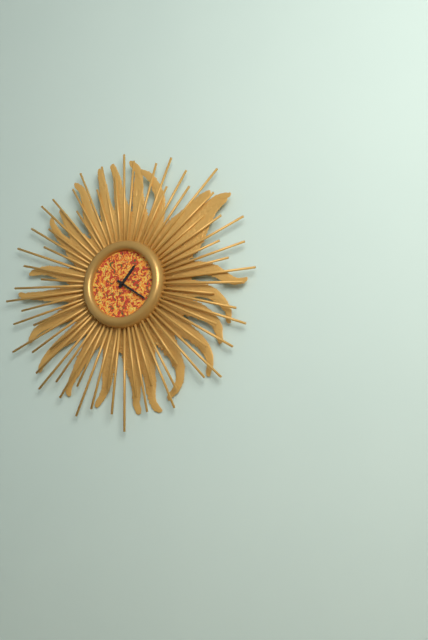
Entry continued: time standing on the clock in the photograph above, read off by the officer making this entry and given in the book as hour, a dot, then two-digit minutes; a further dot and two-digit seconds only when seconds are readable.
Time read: 1.21
